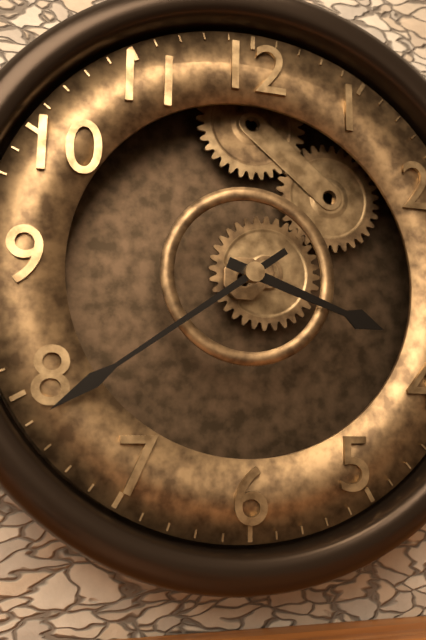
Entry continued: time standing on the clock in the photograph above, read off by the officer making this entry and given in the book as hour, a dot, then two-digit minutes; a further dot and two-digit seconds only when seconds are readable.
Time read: 3.39
